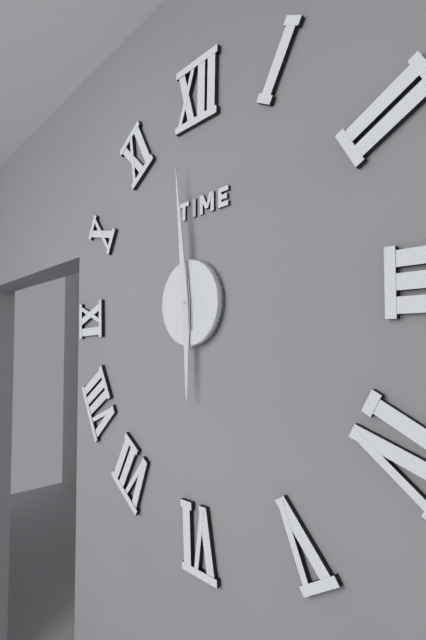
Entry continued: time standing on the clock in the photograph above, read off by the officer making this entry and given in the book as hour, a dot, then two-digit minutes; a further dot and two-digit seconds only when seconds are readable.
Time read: 5.59
